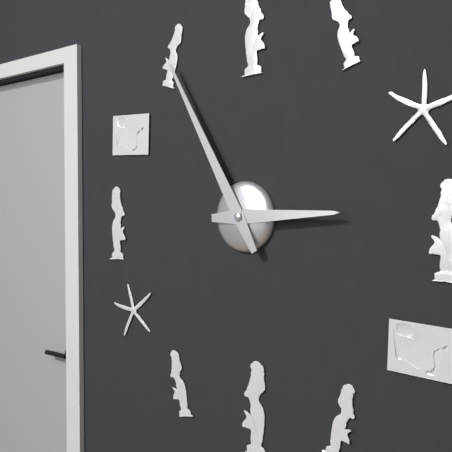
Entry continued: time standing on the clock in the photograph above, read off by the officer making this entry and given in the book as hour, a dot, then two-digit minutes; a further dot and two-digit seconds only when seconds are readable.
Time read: 2.55
